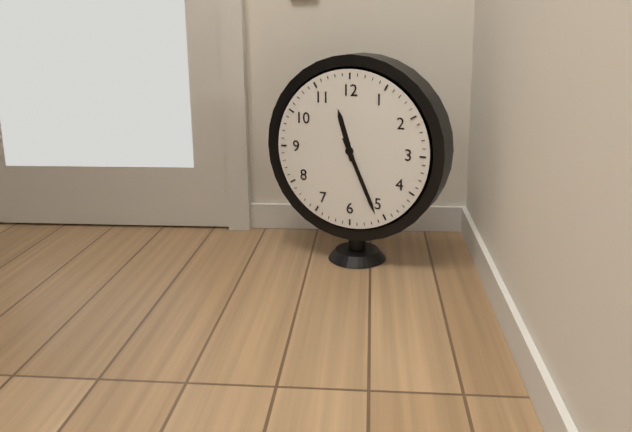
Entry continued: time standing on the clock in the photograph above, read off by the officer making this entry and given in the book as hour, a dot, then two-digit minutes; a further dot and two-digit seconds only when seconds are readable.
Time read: 11.26
